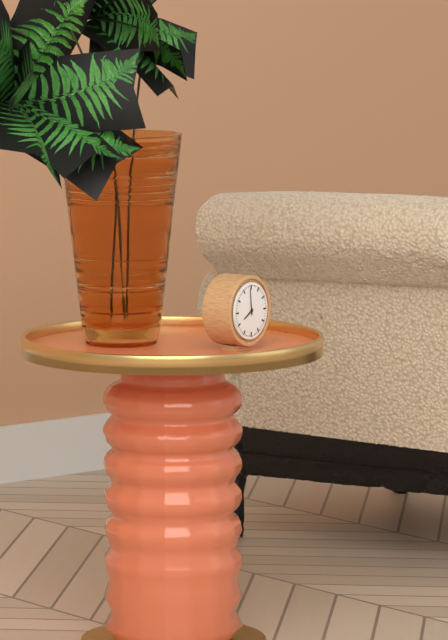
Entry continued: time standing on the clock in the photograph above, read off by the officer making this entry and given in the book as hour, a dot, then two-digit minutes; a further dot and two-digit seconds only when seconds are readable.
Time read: 7.59
